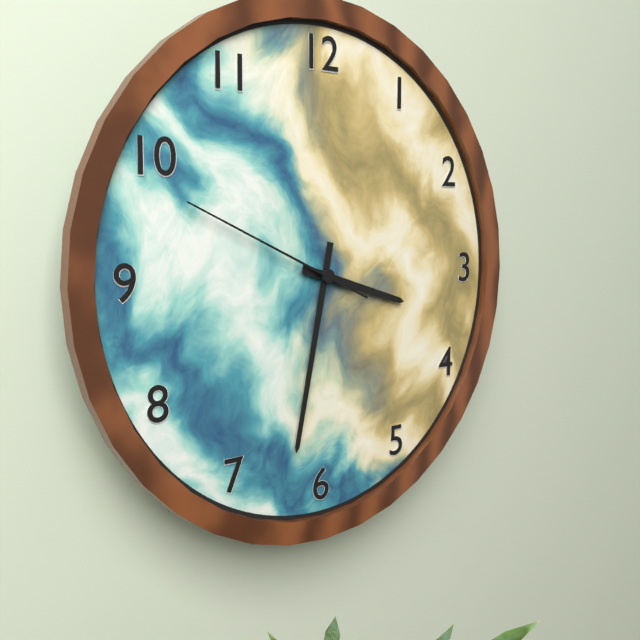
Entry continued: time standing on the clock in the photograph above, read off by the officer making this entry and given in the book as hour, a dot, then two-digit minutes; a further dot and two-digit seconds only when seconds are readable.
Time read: 3.32.49
